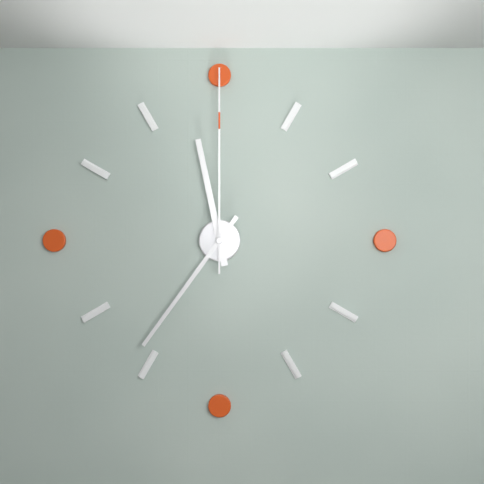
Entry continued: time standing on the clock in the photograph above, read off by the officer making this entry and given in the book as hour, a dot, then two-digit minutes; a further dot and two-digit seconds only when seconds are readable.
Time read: 11.36.00
